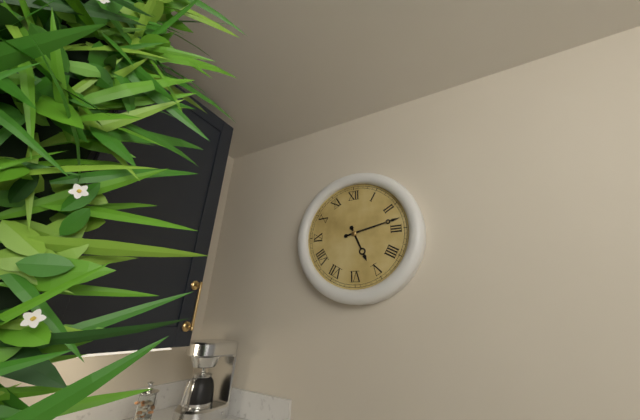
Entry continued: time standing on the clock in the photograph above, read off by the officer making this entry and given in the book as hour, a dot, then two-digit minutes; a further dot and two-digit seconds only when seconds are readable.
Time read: 5.13
